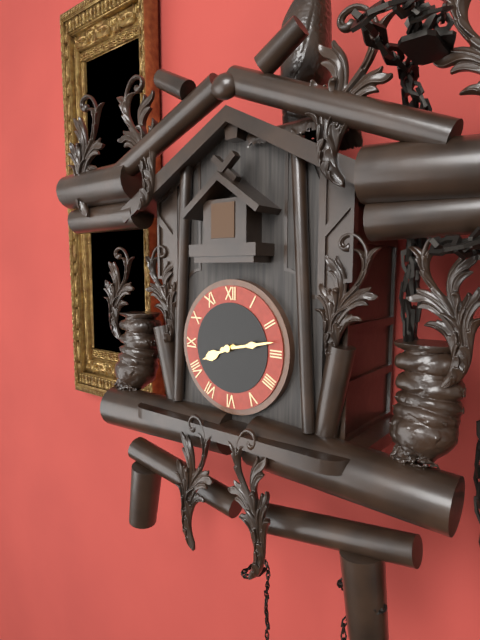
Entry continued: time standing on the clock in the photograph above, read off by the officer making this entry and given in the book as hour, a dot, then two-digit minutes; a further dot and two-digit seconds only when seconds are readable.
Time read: 8.13
